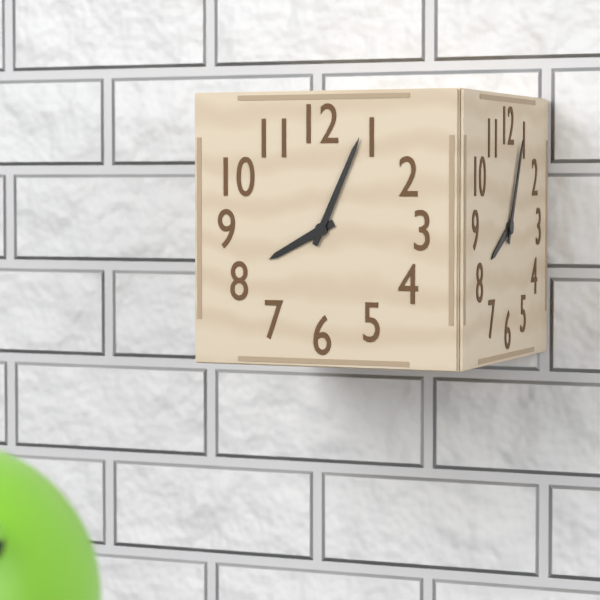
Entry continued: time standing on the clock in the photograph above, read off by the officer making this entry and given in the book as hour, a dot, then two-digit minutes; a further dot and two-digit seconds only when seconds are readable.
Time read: 8.04
